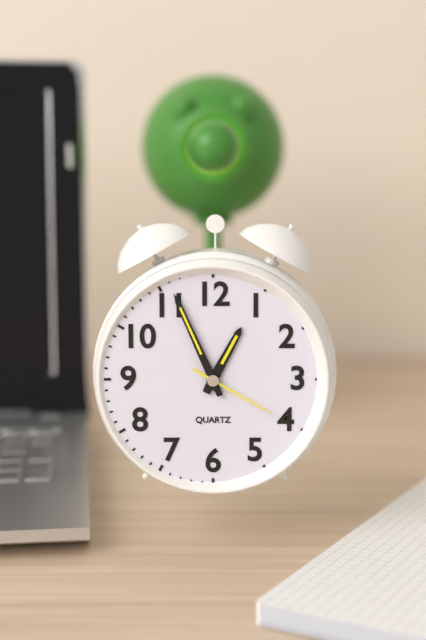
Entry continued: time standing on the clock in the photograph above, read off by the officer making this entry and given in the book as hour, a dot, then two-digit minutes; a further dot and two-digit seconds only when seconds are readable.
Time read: 12.56.20
